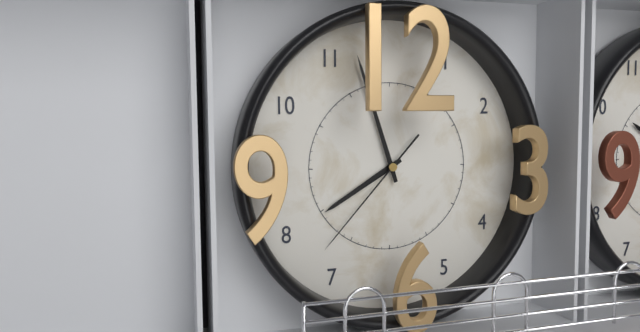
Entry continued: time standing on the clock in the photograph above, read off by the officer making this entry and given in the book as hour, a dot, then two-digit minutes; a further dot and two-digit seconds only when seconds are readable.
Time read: 7.57.37
